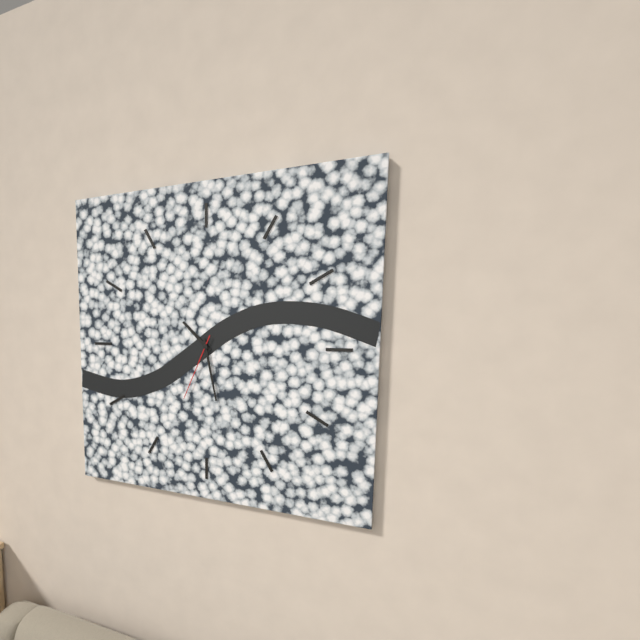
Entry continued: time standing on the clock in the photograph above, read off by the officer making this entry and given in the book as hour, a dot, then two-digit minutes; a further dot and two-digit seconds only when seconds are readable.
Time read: 10.28.34
